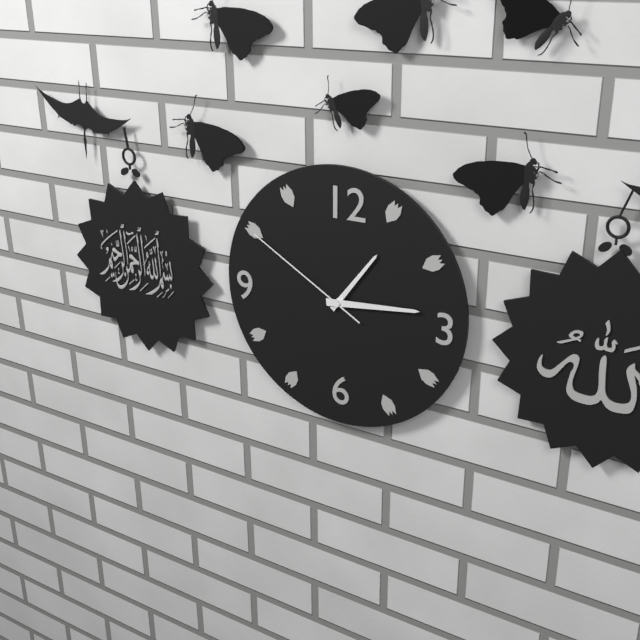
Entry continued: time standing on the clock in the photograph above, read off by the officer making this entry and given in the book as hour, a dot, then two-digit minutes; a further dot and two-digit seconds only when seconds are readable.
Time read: 1.14.50
